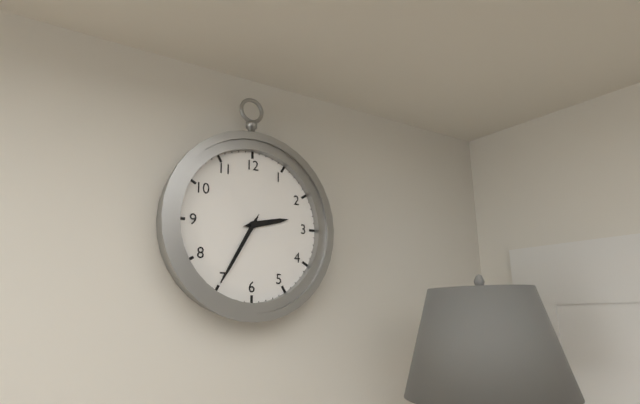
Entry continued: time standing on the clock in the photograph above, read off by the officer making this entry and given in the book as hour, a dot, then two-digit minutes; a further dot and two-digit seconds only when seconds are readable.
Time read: 2.35
